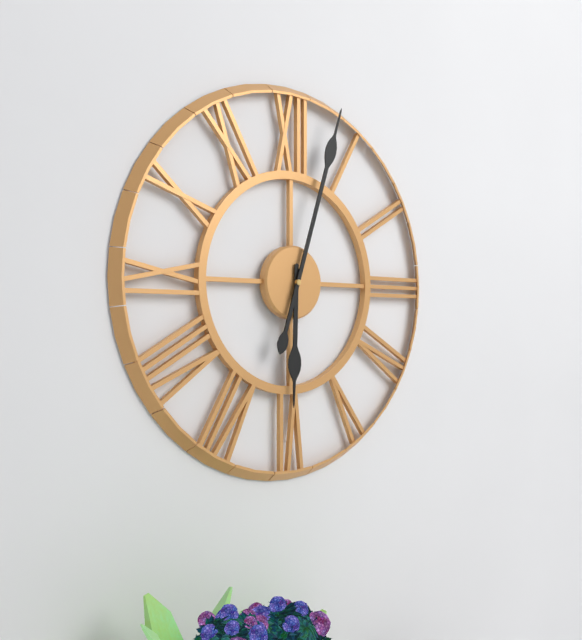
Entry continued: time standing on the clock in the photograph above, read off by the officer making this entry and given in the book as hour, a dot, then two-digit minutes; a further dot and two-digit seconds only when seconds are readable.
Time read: 6.03
